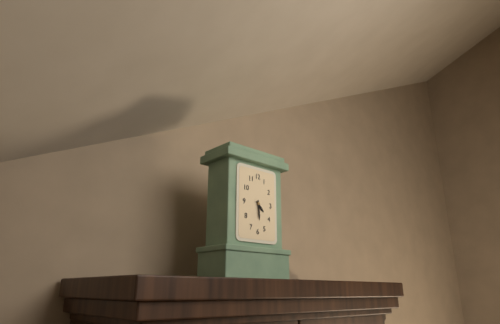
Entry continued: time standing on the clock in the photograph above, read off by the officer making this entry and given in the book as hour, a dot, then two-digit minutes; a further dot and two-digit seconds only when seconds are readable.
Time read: 4.29
